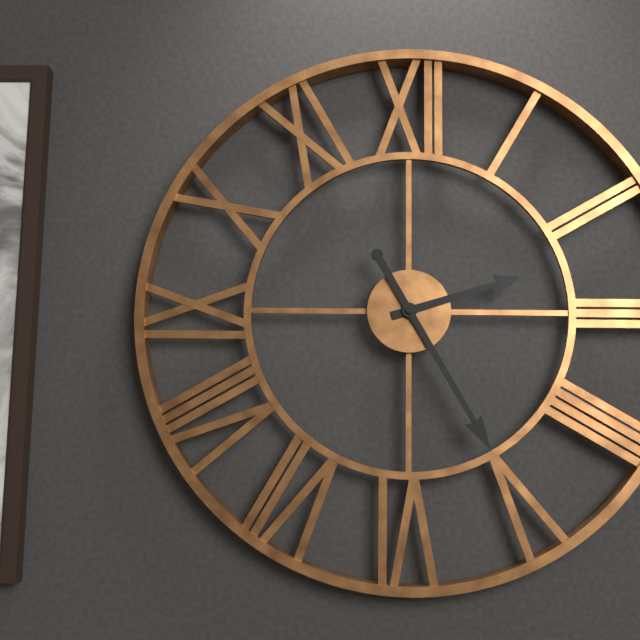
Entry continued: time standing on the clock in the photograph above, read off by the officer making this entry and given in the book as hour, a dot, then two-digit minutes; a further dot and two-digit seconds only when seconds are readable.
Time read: 2.25
